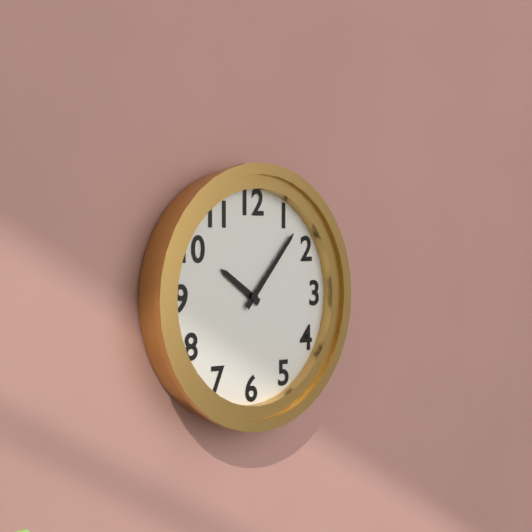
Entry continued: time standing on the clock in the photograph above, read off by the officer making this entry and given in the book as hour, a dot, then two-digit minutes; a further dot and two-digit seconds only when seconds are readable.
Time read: 10.07
